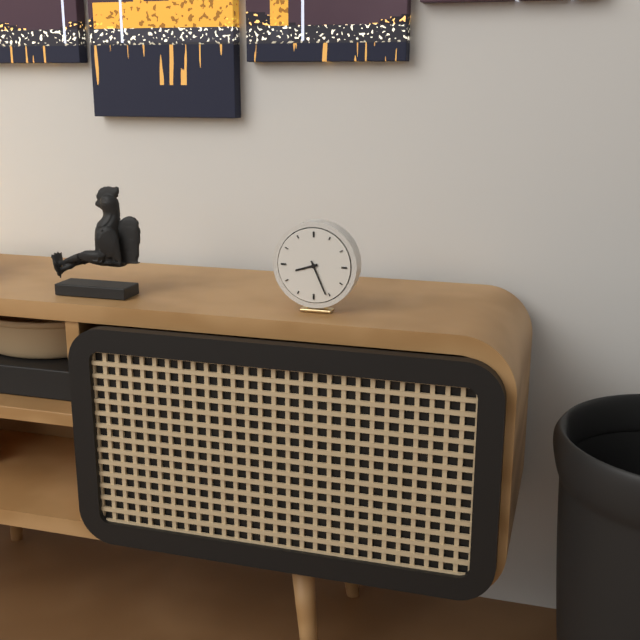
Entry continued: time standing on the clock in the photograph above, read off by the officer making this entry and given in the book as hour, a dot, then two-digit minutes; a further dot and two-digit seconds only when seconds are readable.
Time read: 8.26
